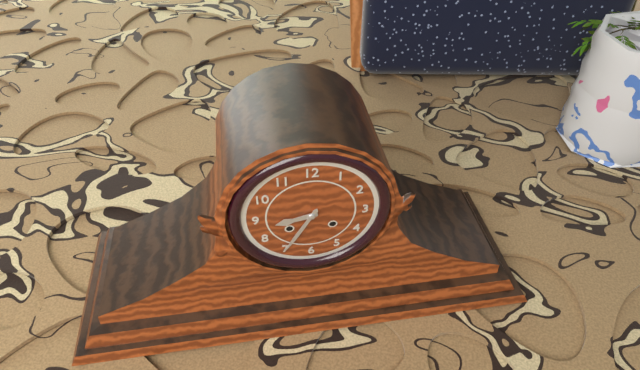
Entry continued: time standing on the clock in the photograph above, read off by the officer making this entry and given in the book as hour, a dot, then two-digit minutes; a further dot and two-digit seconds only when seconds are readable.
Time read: 8.35
